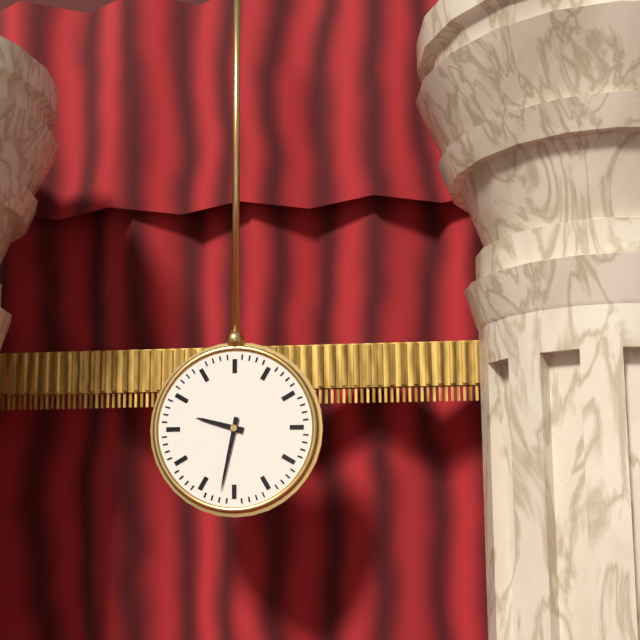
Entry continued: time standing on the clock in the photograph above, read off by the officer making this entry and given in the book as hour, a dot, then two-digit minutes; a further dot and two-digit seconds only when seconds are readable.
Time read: 9.32
